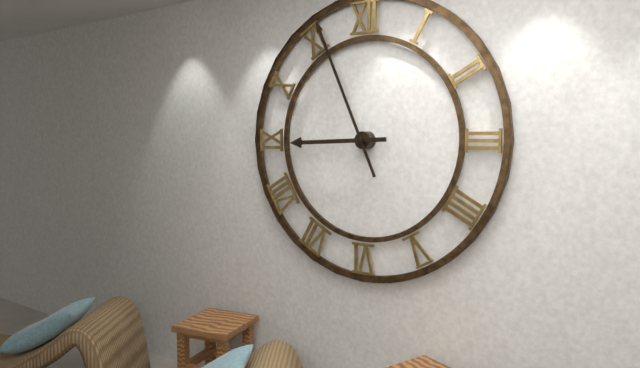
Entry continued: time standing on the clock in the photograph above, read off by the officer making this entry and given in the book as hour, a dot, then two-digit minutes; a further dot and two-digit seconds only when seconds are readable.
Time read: 8.56
